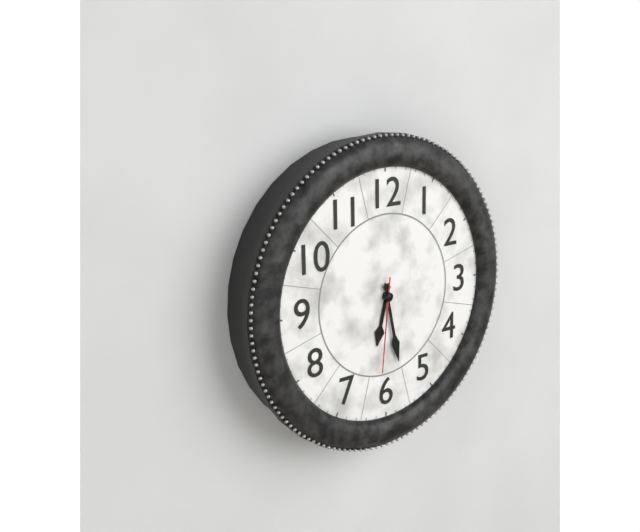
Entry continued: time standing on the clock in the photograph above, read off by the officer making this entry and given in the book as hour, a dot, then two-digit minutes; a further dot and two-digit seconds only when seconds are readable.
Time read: 6.28.31
